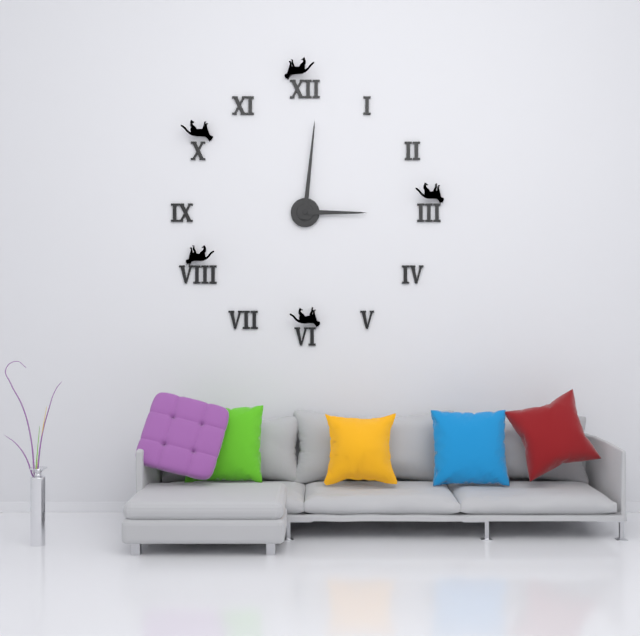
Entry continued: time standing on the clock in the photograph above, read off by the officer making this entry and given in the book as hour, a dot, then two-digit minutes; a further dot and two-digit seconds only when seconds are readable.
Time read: 3.01
